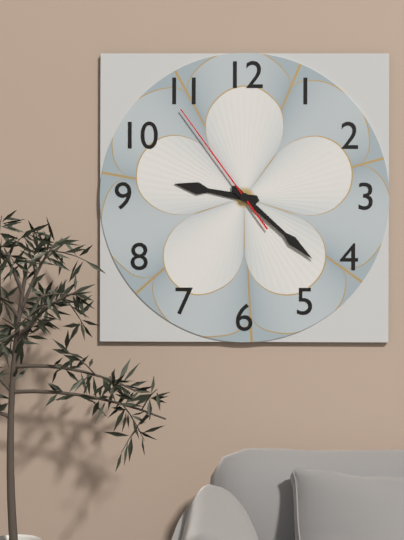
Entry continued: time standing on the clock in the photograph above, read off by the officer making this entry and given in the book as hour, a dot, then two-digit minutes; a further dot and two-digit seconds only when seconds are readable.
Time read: 9.22.54
